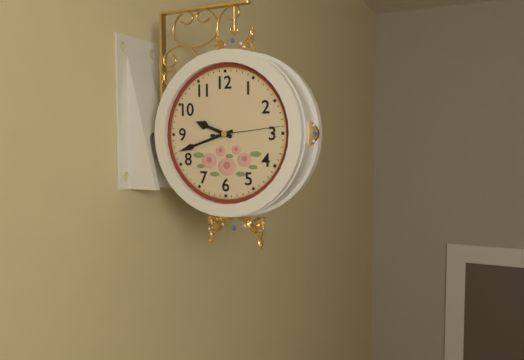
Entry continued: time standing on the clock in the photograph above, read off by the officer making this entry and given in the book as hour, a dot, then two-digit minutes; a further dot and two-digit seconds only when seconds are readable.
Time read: 9.42.14
